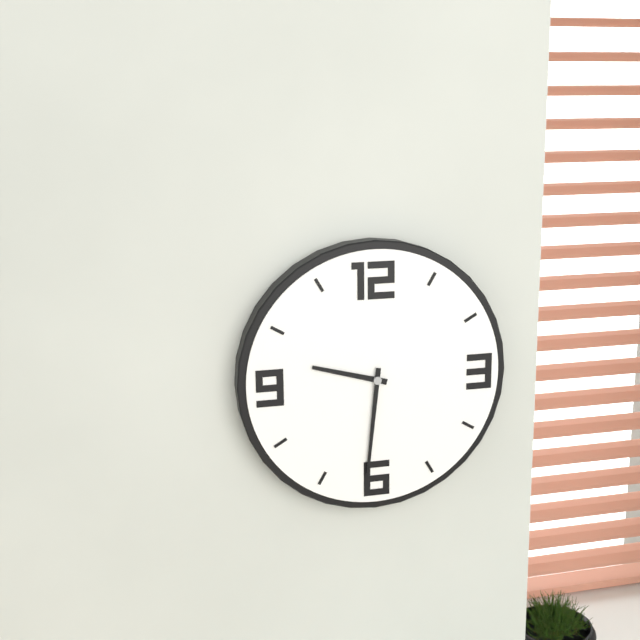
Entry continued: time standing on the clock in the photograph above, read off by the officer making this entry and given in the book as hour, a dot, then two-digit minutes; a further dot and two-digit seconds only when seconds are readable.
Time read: 9.31
